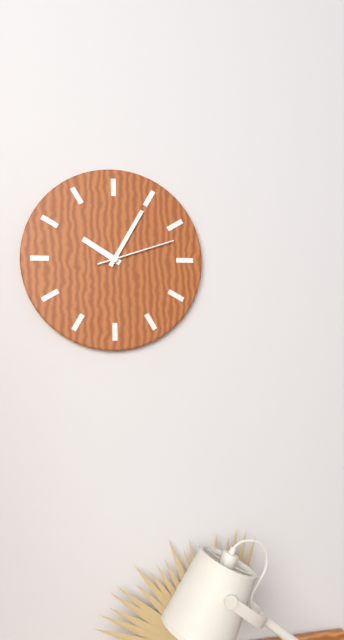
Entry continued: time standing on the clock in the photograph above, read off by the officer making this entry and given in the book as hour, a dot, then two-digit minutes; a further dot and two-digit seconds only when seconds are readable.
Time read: 10.05.12
